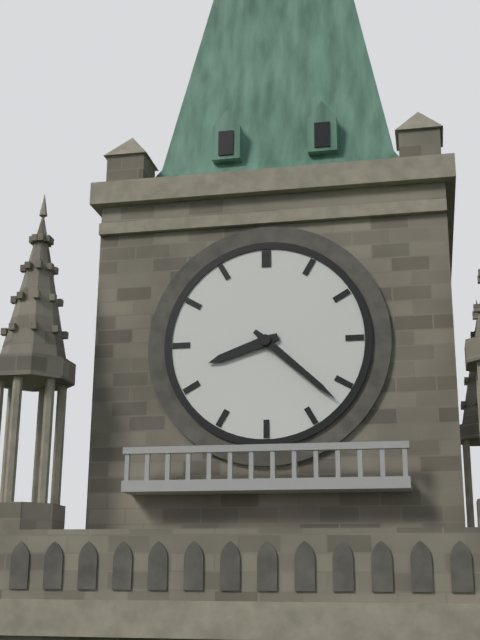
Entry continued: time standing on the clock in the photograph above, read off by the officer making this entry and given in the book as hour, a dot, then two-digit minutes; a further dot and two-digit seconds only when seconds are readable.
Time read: 8.22
